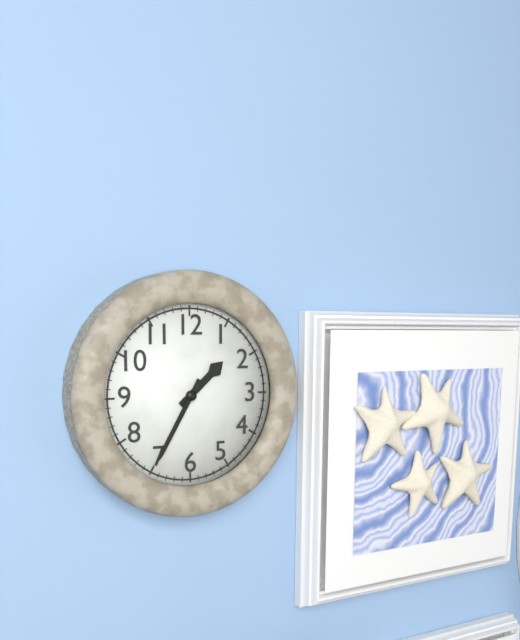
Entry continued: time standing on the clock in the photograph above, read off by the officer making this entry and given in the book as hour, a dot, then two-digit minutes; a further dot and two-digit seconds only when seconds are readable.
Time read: 1.35
